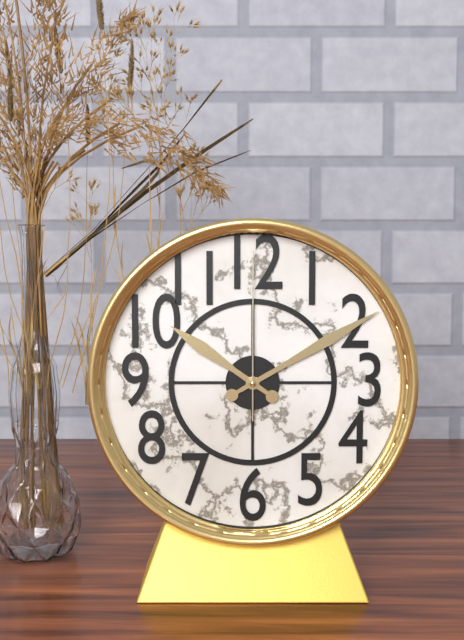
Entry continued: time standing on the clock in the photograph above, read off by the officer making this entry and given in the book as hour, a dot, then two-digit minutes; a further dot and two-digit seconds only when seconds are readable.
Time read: 10.10.00
